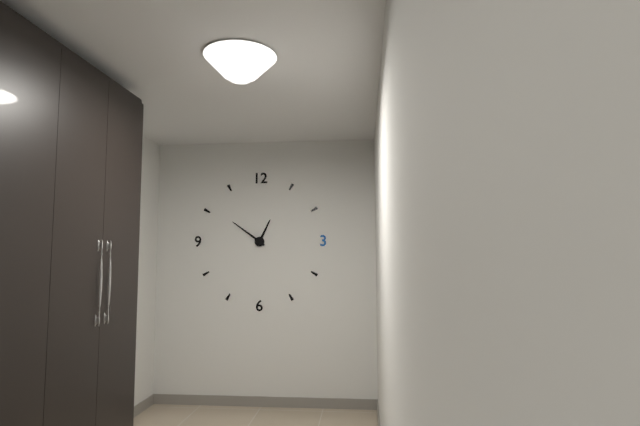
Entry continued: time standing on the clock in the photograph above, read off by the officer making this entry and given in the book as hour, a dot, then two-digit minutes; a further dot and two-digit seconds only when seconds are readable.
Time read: 12.51
